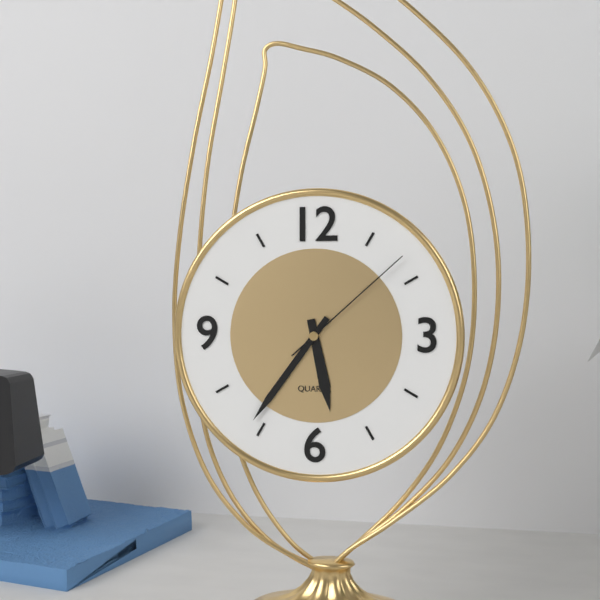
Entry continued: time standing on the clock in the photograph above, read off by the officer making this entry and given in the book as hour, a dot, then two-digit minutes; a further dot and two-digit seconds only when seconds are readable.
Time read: 5.36.08
